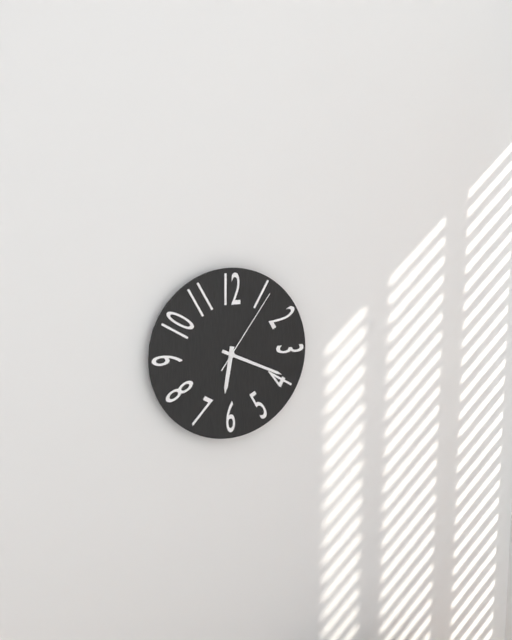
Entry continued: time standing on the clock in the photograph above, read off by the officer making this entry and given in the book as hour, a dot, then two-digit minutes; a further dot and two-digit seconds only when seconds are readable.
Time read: 6.19.06
